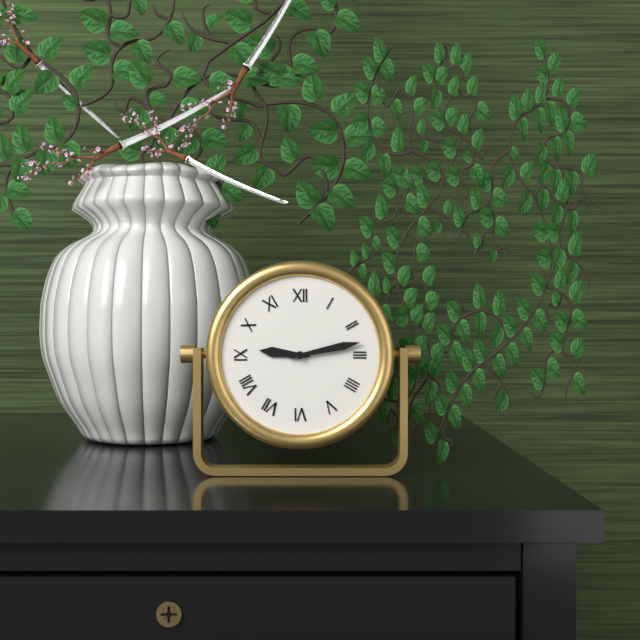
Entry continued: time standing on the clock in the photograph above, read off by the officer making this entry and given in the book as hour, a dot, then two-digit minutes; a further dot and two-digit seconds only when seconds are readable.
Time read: 9.13
